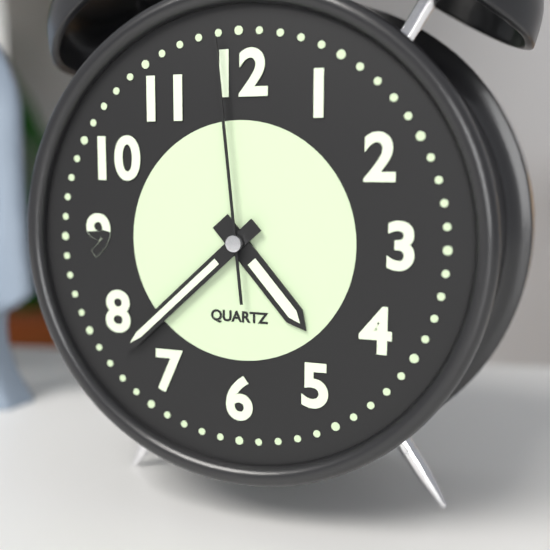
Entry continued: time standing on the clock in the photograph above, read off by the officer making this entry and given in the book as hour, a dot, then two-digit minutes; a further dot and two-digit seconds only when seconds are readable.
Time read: 4.38.59
